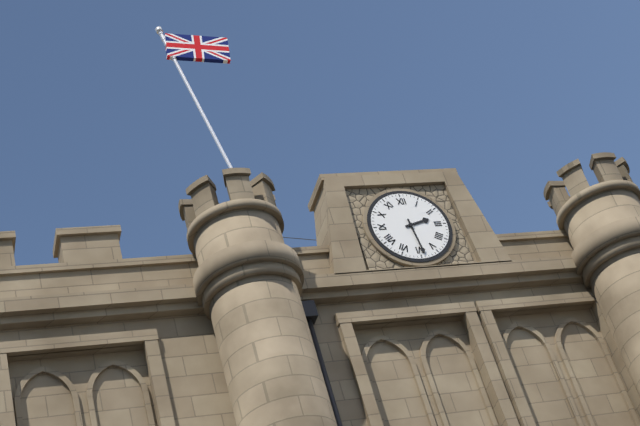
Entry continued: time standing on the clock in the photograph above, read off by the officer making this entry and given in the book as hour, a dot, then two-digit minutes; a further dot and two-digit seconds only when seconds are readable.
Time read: 2.29
